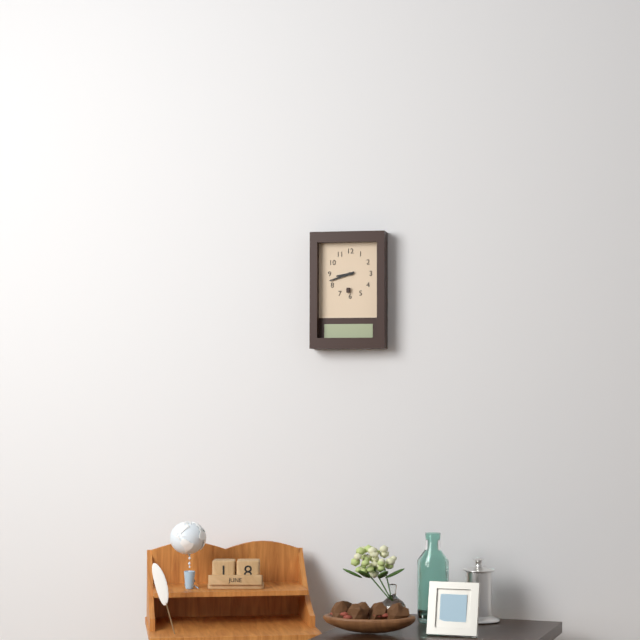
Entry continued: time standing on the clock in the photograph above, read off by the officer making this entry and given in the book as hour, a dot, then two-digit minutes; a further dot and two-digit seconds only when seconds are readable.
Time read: 8.42
